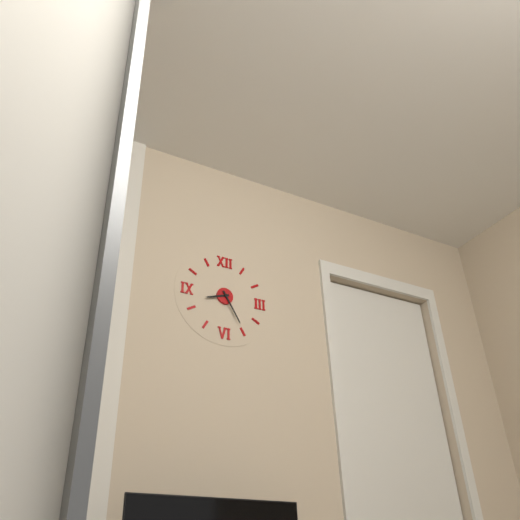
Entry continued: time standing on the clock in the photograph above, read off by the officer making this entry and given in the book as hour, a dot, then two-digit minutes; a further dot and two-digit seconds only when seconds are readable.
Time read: 8.25
